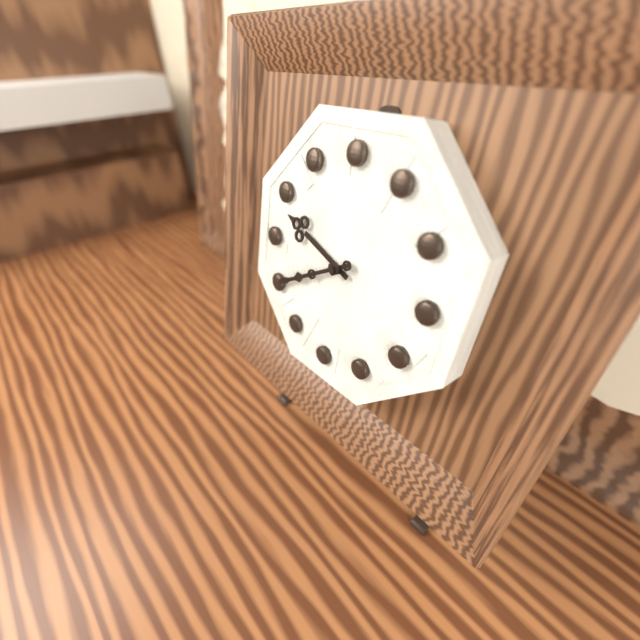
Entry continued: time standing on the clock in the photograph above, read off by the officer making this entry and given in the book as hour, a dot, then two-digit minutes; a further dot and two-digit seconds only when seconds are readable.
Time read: 9.40
